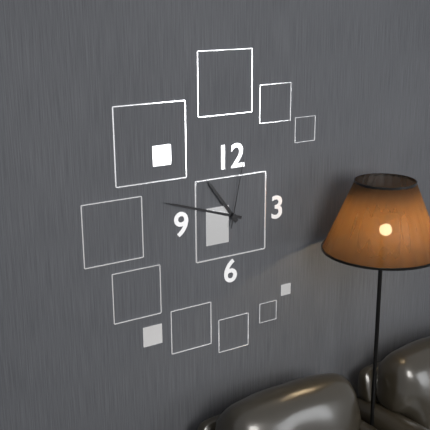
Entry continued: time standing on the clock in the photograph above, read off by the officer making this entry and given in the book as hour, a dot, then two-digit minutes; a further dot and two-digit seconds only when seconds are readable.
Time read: 10.48.02
